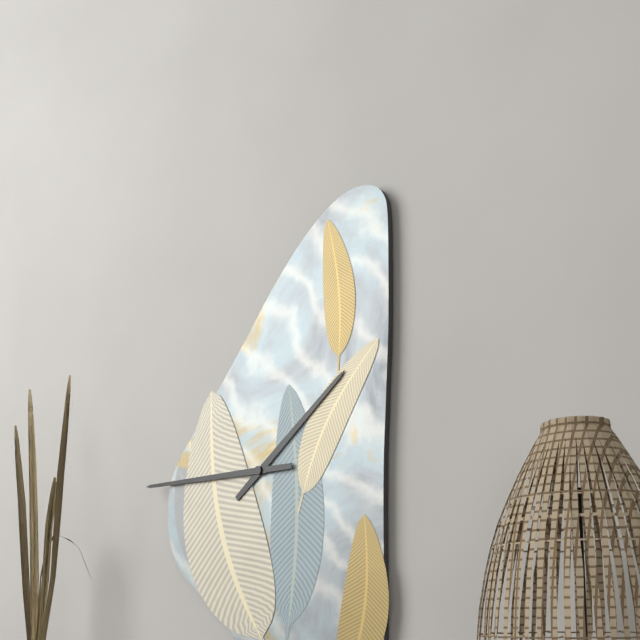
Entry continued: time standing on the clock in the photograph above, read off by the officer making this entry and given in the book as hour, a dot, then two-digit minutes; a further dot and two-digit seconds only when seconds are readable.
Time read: 1.45
